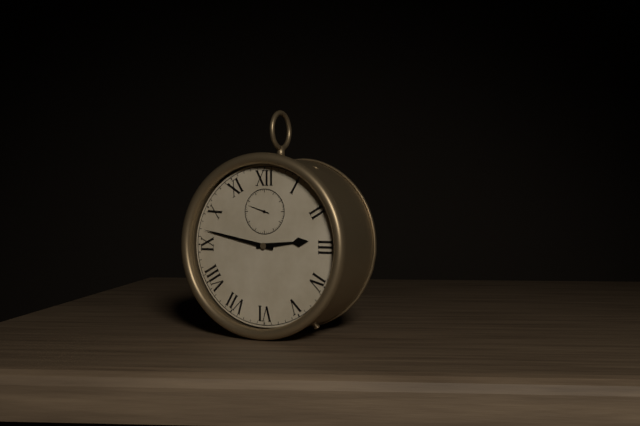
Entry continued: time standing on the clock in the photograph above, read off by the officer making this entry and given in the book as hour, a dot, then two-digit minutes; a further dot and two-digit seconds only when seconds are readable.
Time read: 2.47
